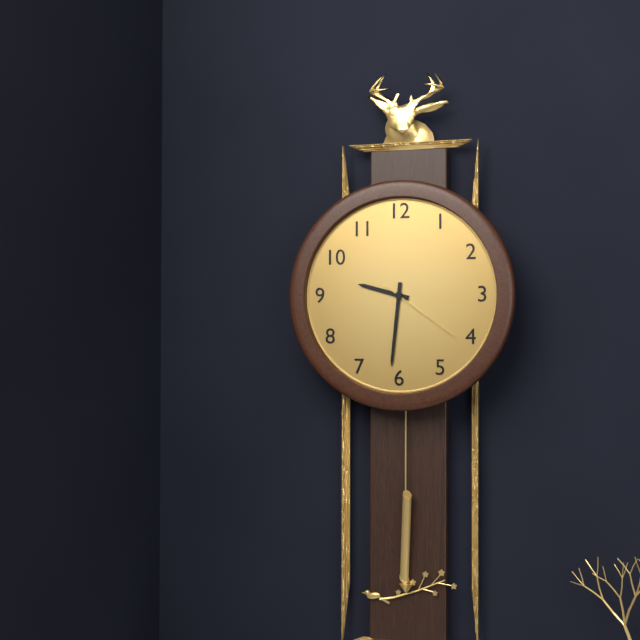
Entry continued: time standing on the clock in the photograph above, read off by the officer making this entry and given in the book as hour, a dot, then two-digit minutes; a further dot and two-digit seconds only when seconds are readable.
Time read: 9.31.21
